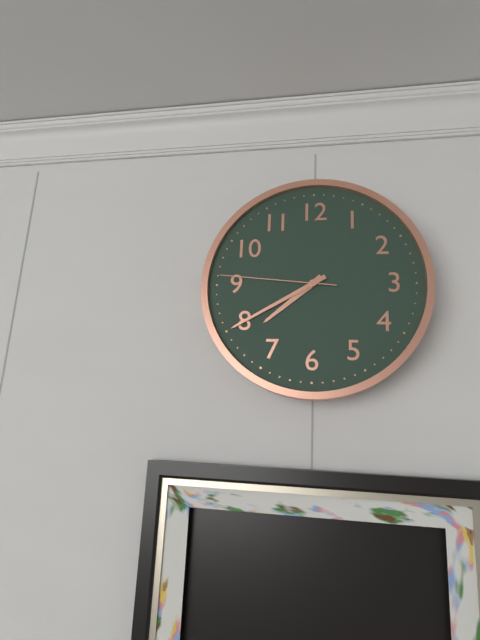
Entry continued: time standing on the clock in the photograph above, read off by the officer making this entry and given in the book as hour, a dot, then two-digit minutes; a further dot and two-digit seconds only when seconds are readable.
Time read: 7.40.46
